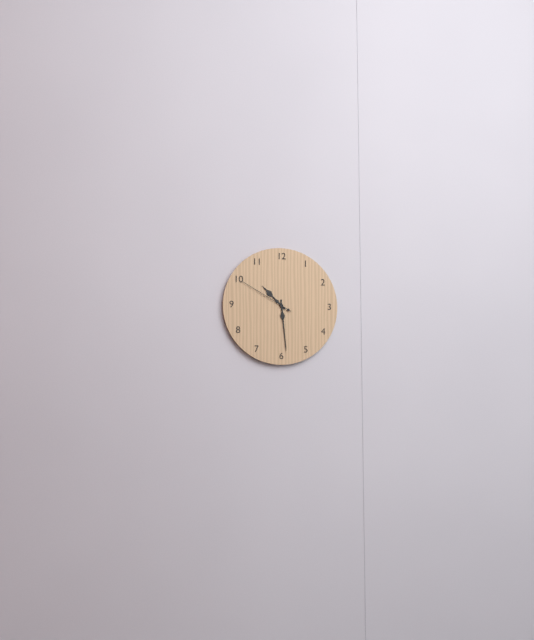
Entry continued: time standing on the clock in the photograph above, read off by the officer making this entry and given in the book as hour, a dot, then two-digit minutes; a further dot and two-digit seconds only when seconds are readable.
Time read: 10.29.50
